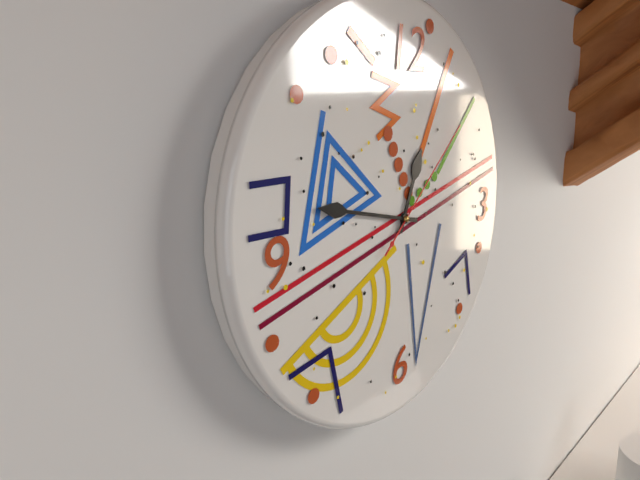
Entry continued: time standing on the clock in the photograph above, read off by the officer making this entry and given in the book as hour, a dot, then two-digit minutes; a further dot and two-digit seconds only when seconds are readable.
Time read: 12.47.08
